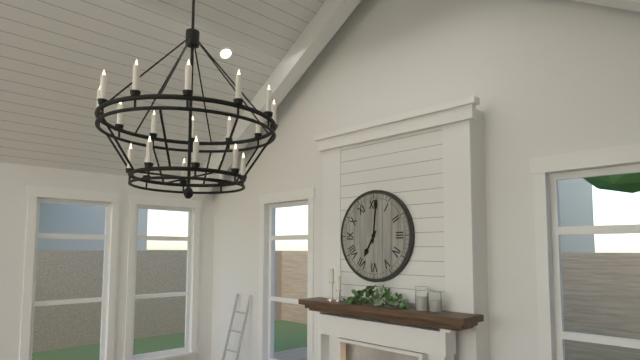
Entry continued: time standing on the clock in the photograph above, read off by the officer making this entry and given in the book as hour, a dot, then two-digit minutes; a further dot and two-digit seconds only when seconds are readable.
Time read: 7.01
